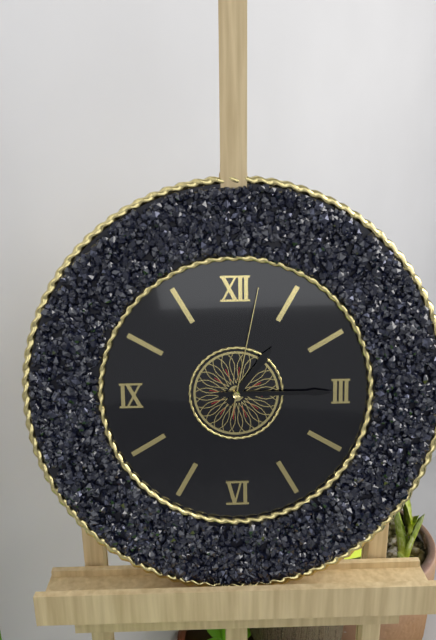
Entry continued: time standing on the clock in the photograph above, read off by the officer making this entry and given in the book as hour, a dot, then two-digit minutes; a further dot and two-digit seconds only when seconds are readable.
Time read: 1.15.02
